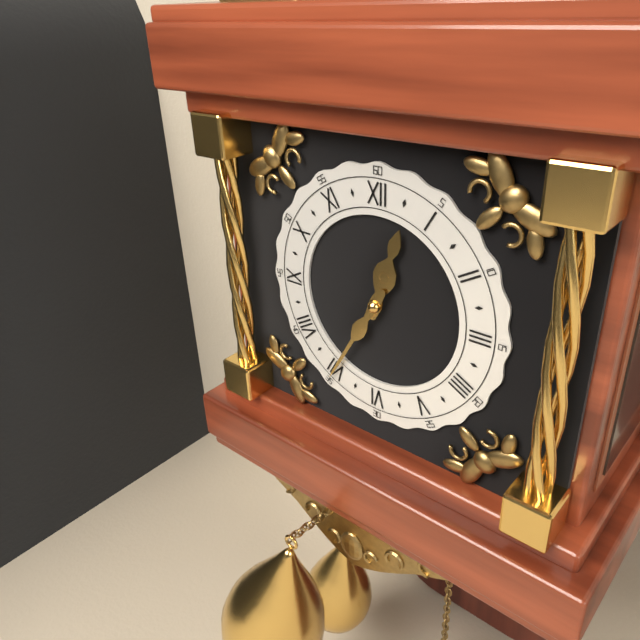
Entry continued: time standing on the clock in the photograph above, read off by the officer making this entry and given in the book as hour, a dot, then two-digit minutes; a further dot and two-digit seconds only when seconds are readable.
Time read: 12.35
